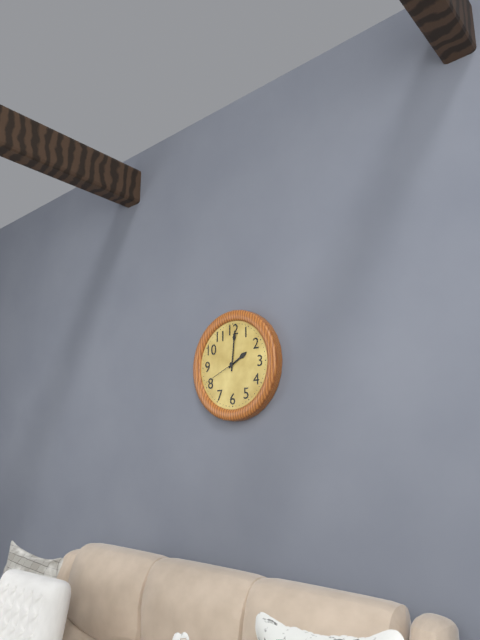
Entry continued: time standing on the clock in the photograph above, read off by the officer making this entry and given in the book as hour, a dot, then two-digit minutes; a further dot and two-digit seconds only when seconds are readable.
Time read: 2.01
